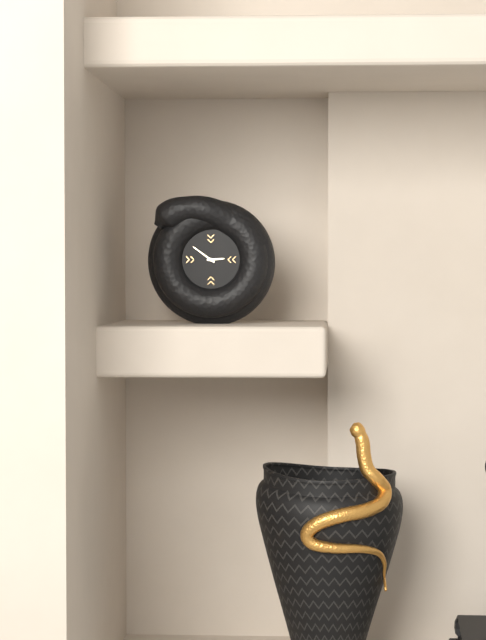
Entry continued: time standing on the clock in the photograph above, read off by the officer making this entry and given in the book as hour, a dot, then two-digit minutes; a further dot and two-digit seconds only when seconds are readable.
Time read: 2.51
